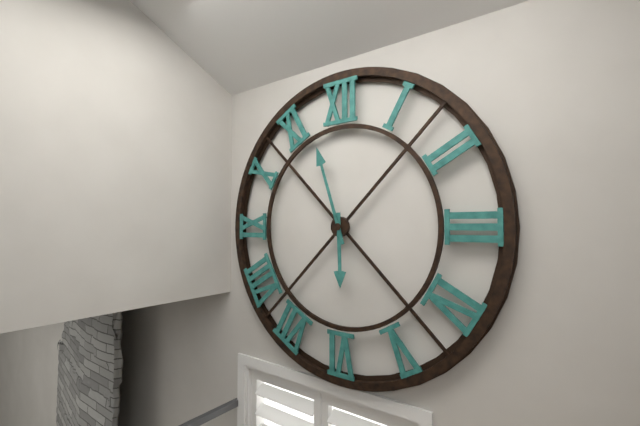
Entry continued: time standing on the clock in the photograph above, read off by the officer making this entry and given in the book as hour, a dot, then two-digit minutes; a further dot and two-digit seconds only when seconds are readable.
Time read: 5.57
